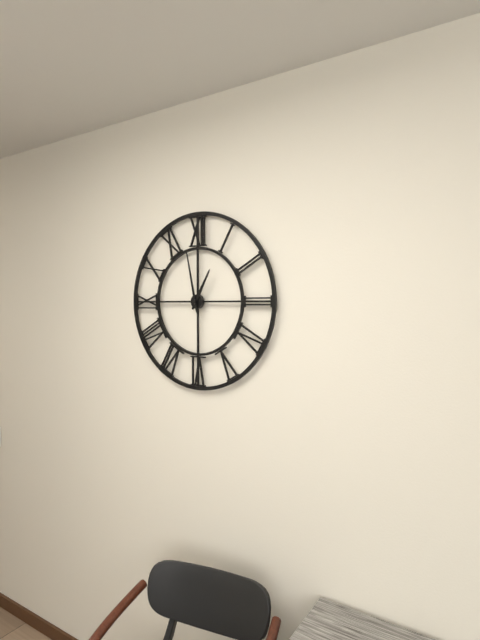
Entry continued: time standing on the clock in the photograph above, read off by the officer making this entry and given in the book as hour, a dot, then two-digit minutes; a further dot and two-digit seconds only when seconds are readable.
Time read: 12.58
